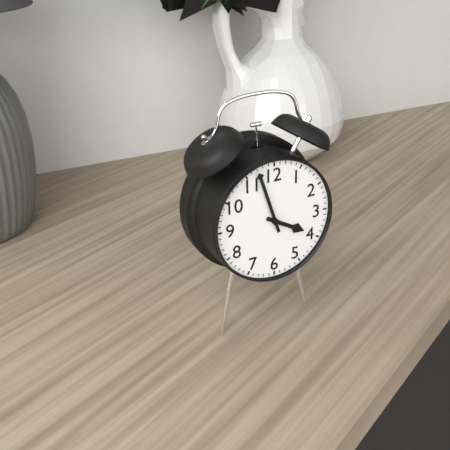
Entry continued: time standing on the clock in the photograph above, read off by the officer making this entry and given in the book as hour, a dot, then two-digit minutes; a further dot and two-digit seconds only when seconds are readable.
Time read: 3.57
